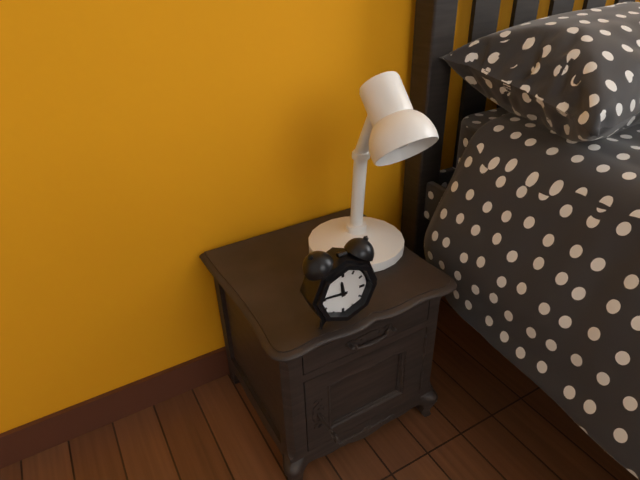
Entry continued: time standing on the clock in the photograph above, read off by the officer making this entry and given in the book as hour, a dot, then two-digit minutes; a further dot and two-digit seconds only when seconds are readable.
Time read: 11.46
